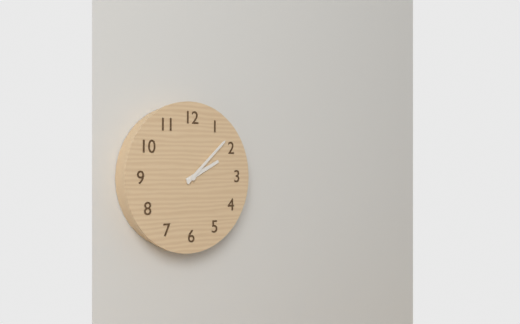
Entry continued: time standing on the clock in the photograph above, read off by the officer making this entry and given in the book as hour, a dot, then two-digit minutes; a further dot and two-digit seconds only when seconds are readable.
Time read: 2.08
